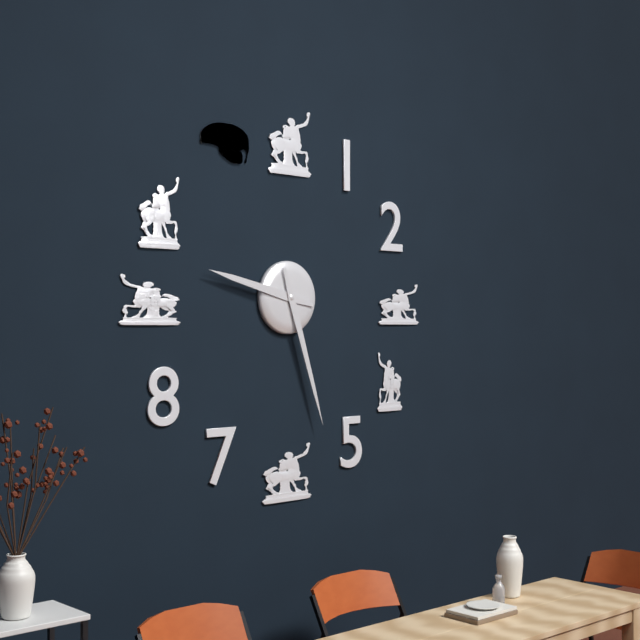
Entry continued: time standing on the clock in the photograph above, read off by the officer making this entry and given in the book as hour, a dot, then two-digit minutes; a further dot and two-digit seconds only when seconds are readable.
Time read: 9.27
